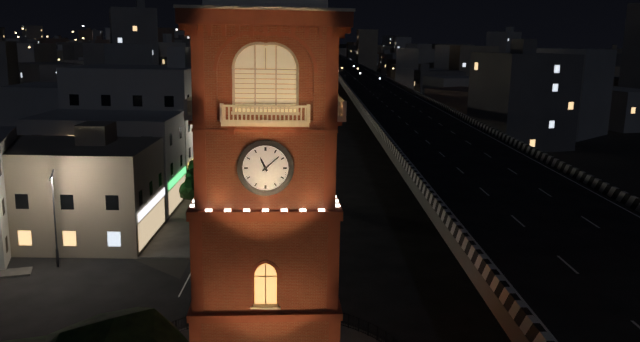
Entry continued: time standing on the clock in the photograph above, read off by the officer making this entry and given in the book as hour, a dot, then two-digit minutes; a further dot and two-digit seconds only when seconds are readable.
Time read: 11.08
